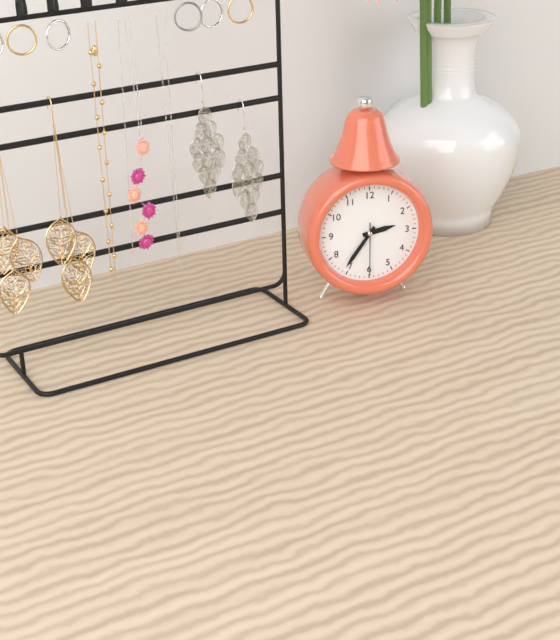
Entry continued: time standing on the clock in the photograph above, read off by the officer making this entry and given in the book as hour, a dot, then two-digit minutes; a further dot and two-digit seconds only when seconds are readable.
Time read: 2.36.30
